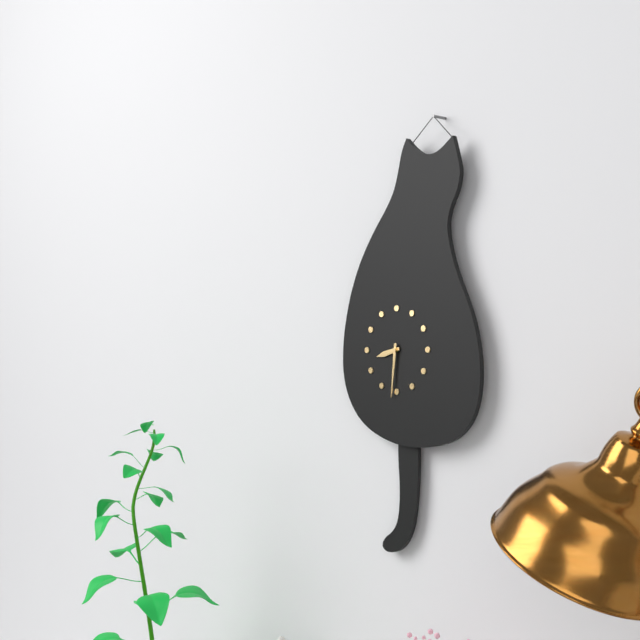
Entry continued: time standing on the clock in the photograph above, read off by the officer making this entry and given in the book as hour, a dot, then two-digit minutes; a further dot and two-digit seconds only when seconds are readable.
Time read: 8.31
